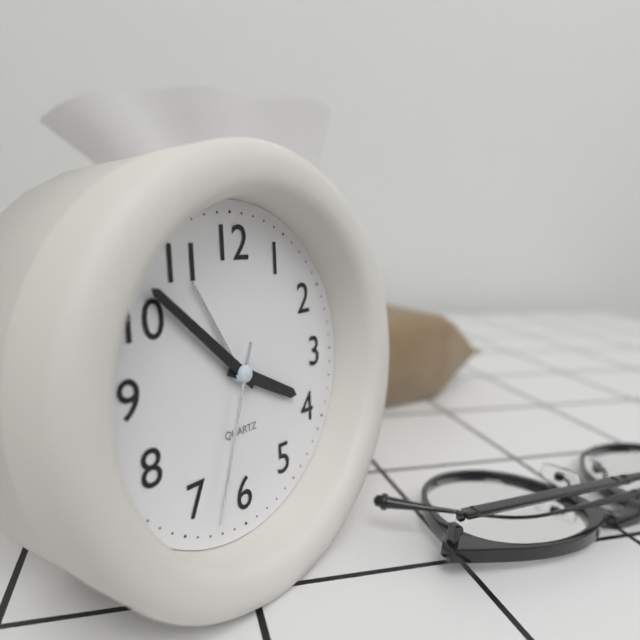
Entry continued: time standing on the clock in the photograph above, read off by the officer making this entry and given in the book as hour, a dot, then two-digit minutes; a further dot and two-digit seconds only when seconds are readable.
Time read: 3.52.33
